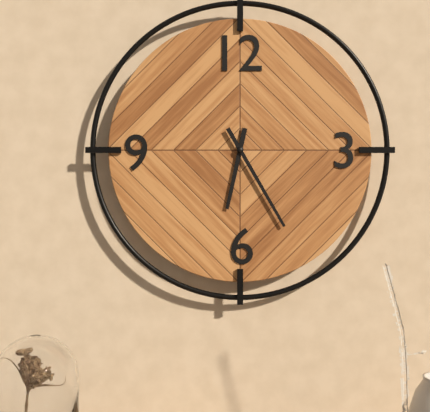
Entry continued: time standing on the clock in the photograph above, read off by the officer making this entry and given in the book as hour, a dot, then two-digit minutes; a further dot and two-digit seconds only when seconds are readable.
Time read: 6.25
